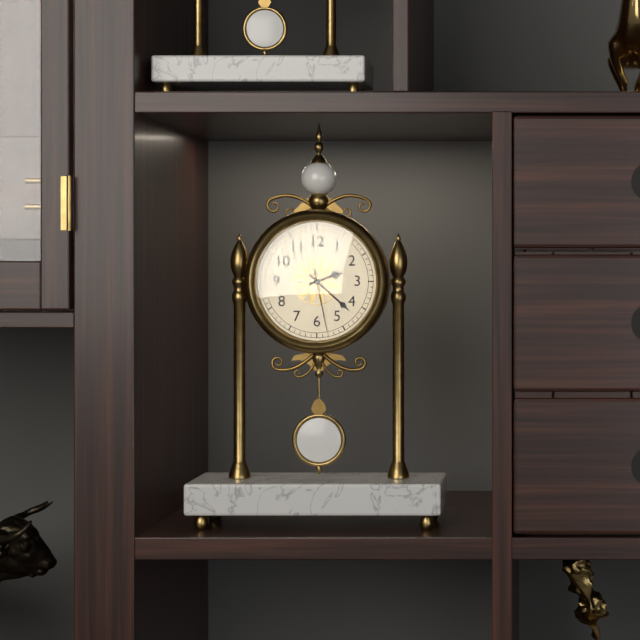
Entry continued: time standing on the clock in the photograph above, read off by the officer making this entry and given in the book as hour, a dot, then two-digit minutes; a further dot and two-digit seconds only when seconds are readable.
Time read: 2.22.28
